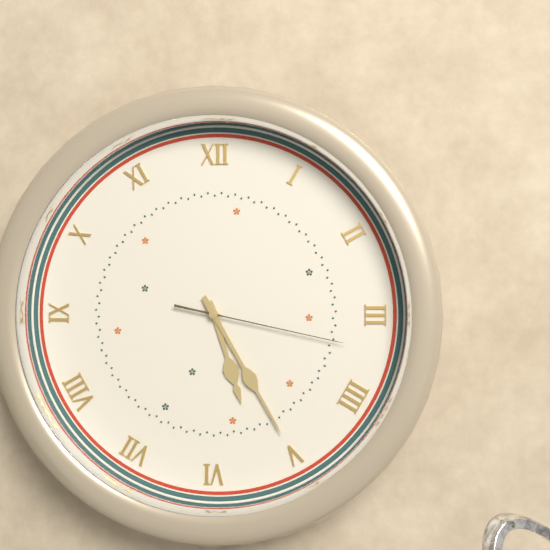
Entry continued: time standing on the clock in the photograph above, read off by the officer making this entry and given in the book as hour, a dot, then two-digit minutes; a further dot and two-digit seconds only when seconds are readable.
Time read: 5.25.17
